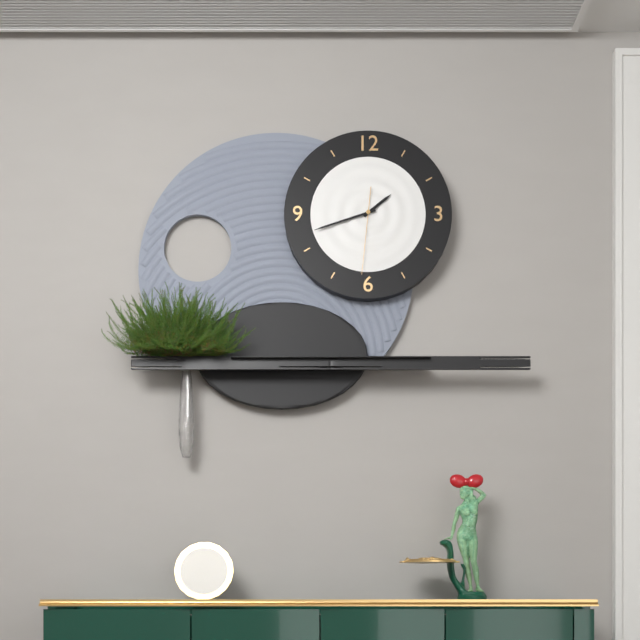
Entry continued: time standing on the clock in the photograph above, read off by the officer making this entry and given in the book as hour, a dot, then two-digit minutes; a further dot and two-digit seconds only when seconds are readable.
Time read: 1.42.31
